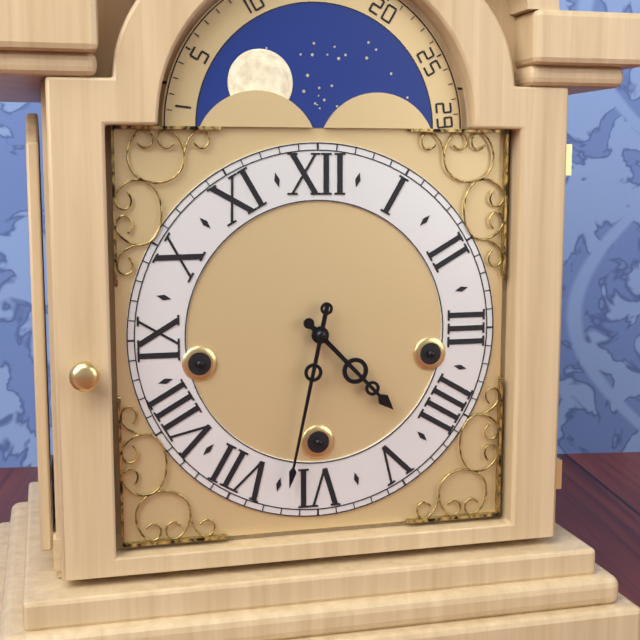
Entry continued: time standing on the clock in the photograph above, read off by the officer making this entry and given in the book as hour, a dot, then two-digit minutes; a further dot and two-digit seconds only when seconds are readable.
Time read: 4.32
